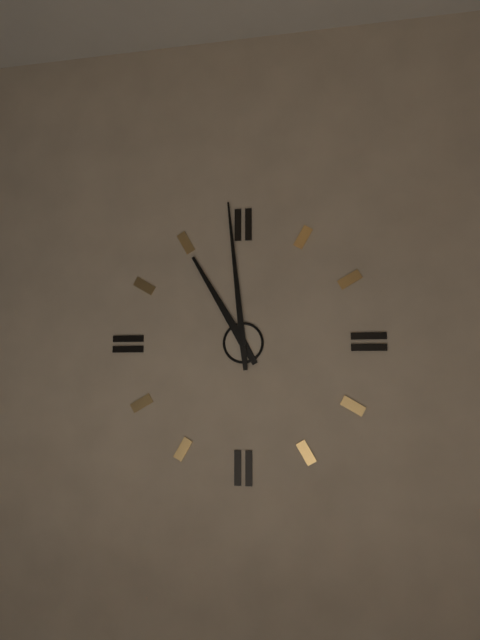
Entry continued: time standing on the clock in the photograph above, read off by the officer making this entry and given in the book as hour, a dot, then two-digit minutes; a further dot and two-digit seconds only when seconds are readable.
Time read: 10.59
